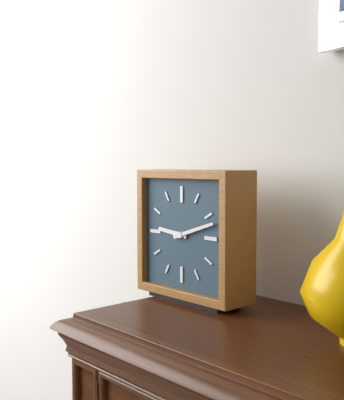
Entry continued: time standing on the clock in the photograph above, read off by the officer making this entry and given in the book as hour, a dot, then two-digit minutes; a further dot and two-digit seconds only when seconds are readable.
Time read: 9.12
